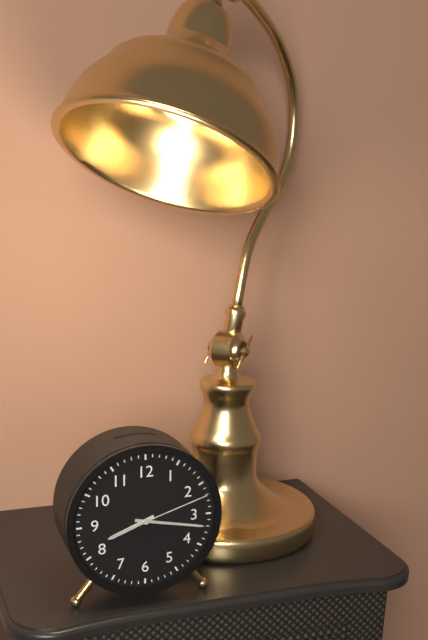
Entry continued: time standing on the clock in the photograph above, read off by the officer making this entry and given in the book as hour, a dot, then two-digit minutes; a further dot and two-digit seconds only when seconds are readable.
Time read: 8.17.12
